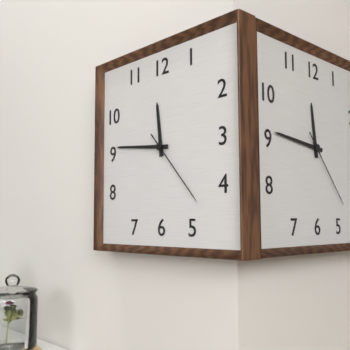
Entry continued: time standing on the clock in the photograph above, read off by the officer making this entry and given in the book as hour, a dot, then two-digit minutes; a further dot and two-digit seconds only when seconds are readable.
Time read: 11.46.23
